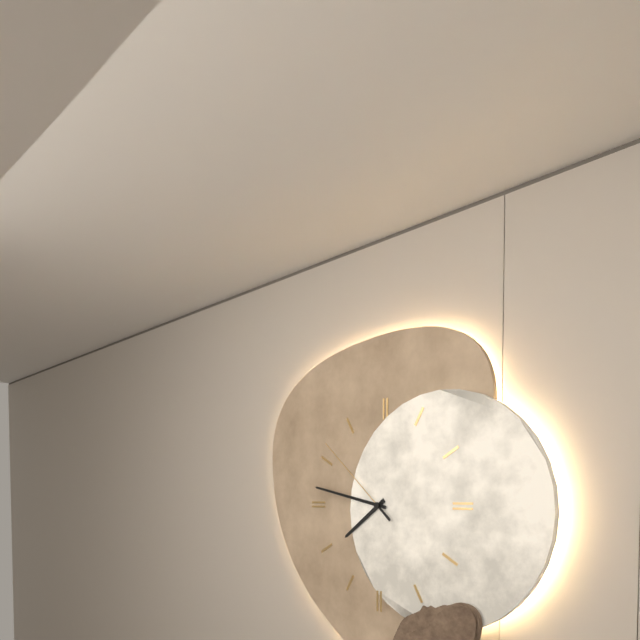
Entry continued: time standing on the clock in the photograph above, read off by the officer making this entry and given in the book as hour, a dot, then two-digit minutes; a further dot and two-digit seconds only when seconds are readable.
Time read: 7.47.52
